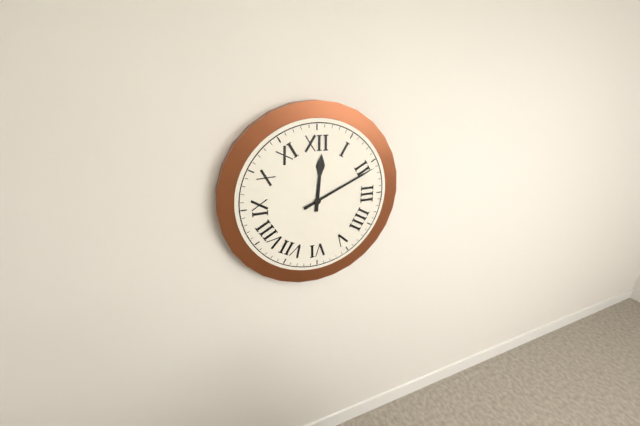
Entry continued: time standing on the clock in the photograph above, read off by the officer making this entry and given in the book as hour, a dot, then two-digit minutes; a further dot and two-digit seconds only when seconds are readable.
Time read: 12.11
